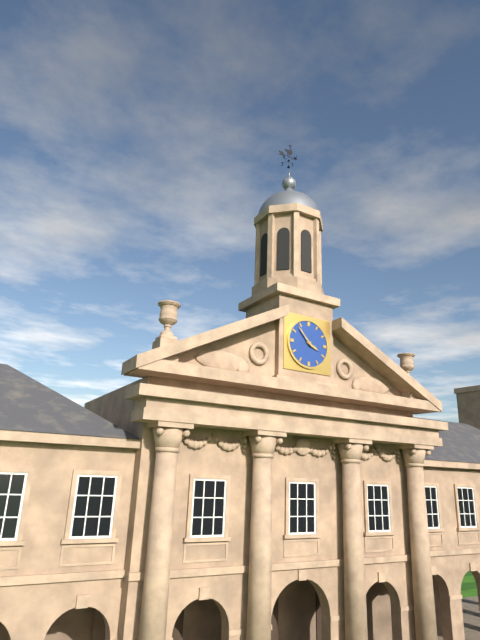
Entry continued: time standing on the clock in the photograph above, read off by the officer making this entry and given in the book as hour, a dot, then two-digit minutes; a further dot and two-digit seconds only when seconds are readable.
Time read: 3.53
